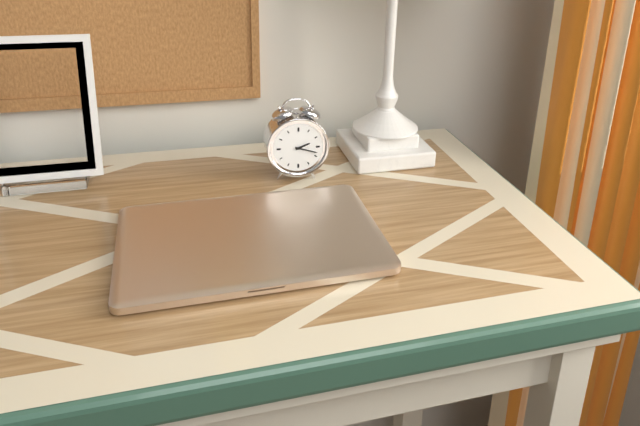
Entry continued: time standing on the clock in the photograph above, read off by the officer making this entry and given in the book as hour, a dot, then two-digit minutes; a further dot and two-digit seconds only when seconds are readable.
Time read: 2.18
